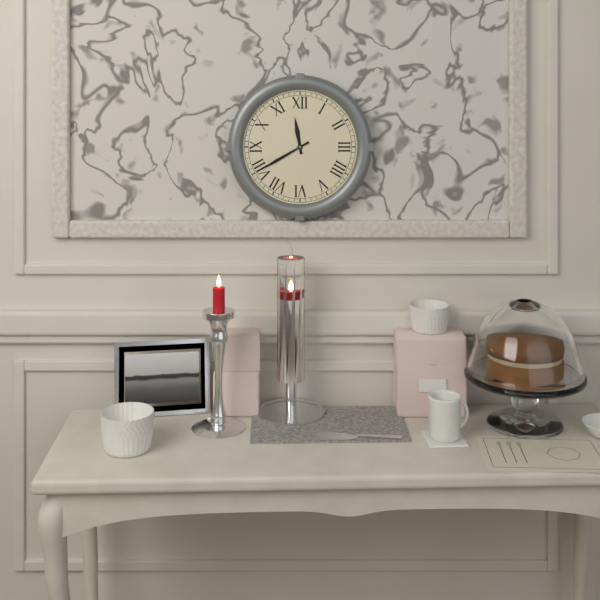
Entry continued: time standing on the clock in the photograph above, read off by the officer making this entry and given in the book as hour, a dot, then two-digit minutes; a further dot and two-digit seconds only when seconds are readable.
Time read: 11.40
